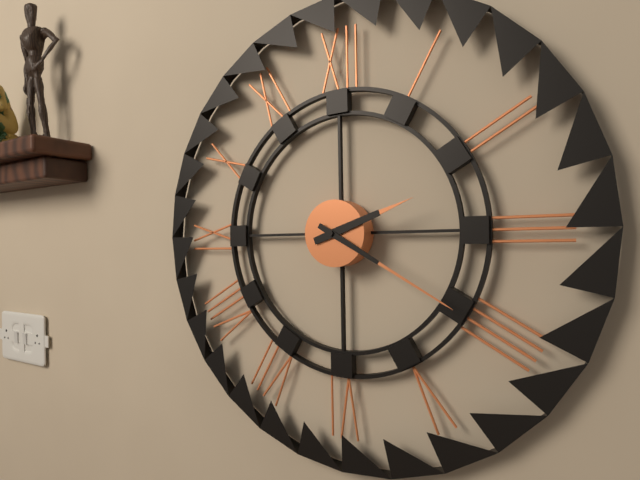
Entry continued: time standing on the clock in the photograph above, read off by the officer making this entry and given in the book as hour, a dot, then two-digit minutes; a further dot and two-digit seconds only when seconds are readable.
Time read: 2.20
